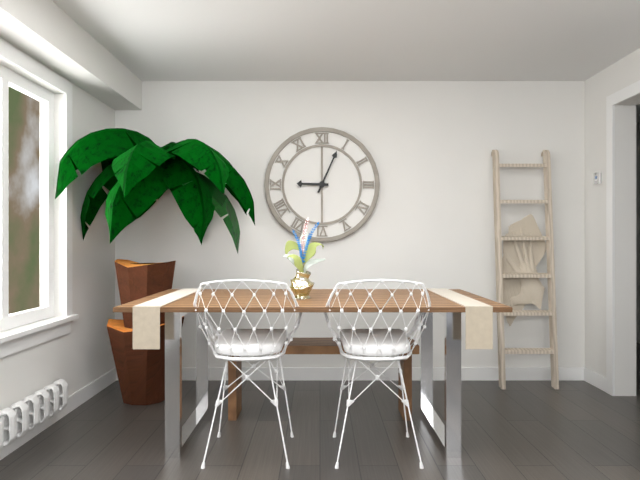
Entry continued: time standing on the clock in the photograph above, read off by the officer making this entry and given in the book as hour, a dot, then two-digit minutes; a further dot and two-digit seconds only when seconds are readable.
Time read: 9.04
